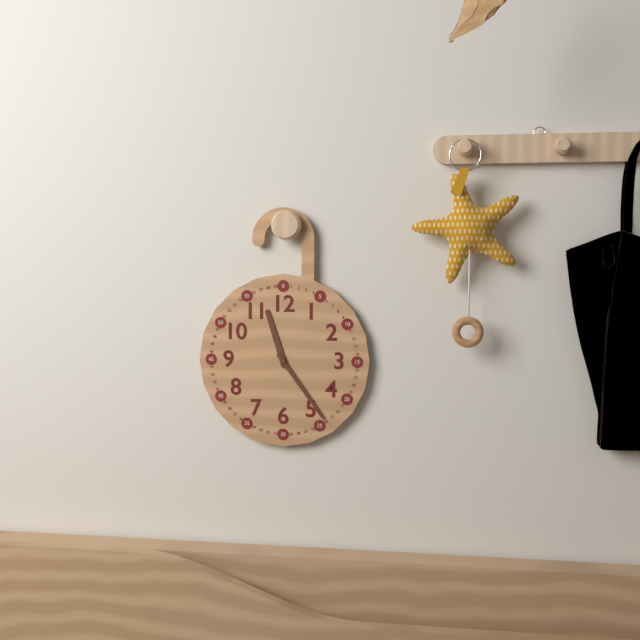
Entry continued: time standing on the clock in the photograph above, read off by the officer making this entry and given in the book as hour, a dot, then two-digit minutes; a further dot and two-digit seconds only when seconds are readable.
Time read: 11.24
